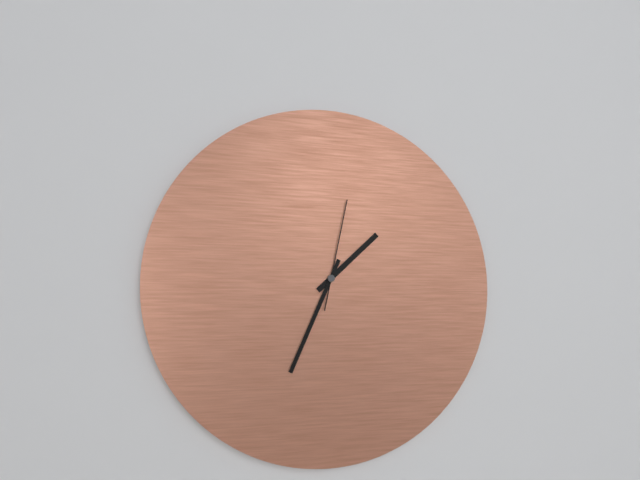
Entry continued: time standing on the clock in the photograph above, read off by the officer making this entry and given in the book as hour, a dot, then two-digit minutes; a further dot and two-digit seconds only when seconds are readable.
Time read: 1.34.02
